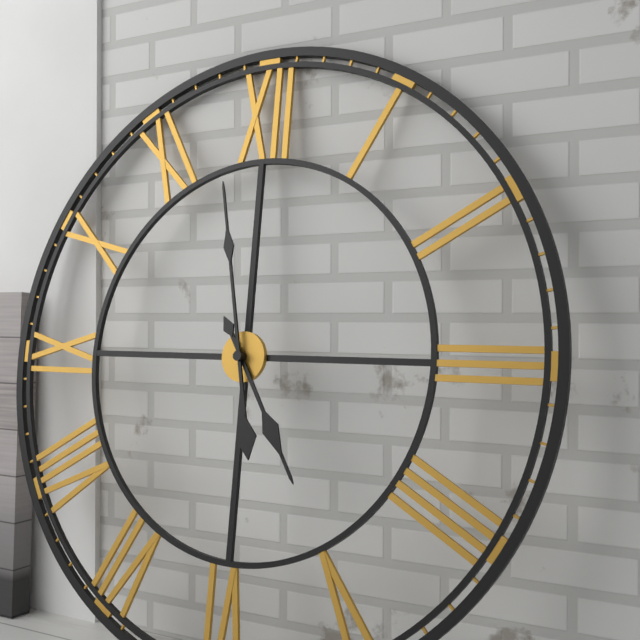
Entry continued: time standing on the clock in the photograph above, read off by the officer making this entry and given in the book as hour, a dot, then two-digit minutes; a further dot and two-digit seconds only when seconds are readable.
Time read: 4.58
